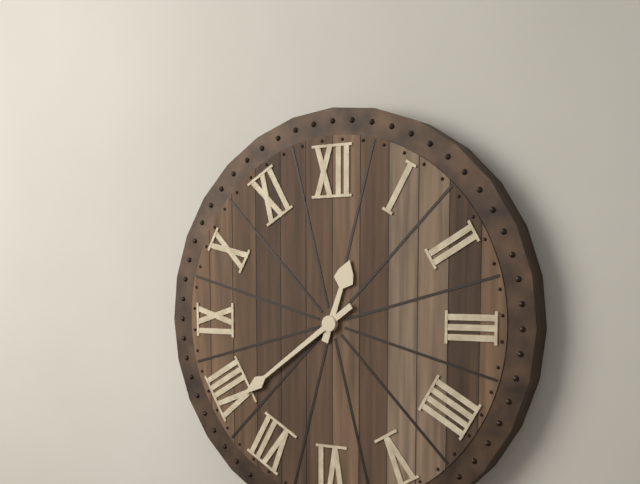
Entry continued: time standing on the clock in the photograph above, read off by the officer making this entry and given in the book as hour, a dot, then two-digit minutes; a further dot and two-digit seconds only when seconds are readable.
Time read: 12.39
